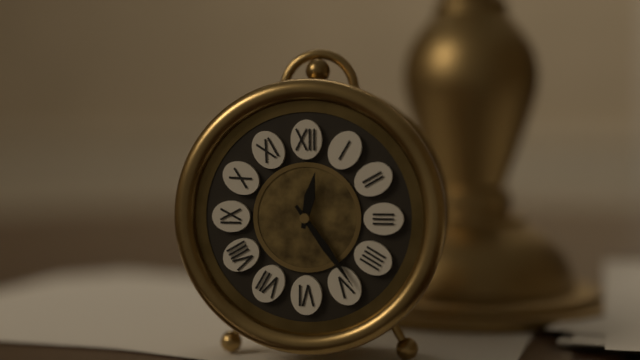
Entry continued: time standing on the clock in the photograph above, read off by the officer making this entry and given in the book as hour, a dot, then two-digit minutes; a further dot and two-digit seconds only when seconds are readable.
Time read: 12.24
